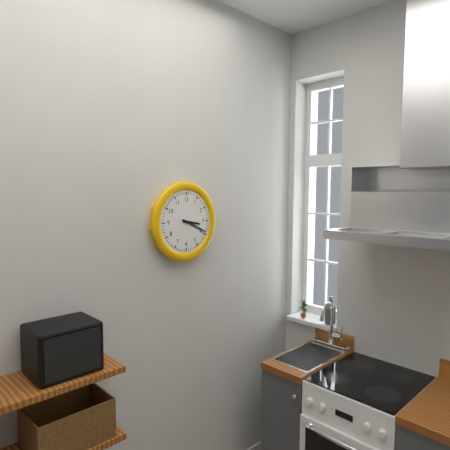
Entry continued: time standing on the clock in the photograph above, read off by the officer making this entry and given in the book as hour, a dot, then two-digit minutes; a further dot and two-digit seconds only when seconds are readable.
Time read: 3.19
